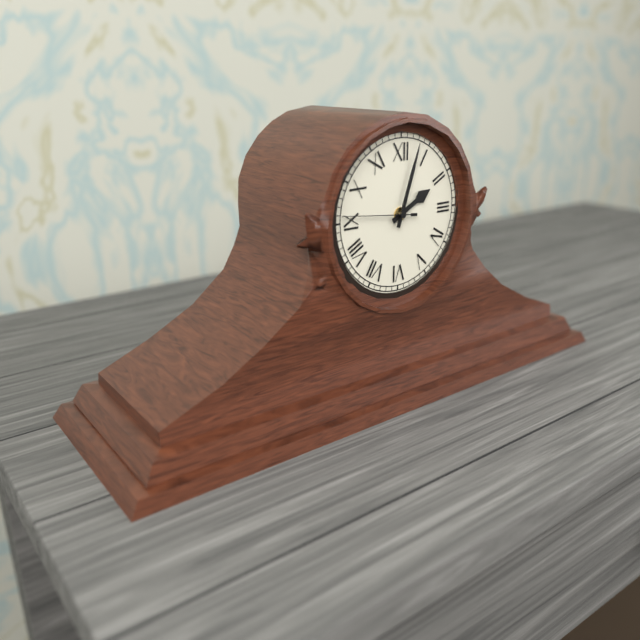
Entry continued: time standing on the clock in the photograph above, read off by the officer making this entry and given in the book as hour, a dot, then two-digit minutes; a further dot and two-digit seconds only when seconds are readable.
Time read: 2.03.46
